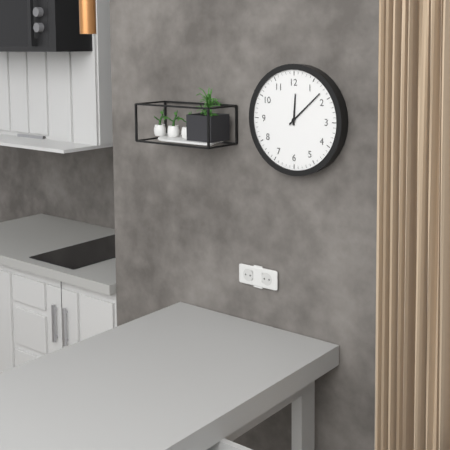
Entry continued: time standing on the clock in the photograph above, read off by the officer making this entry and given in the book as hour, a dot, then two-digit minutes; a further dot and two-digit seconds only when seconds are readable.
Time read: 12.08
